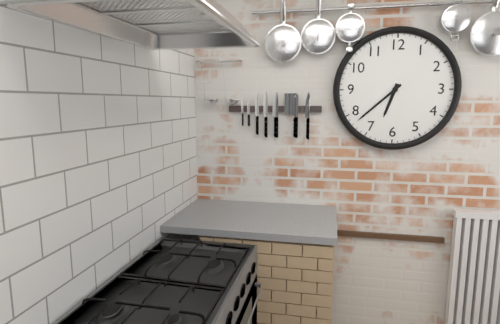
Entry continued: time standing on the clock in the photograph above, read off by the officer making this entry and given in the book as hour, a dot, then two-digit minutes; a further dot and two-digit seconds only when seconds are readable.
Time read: 6.38
